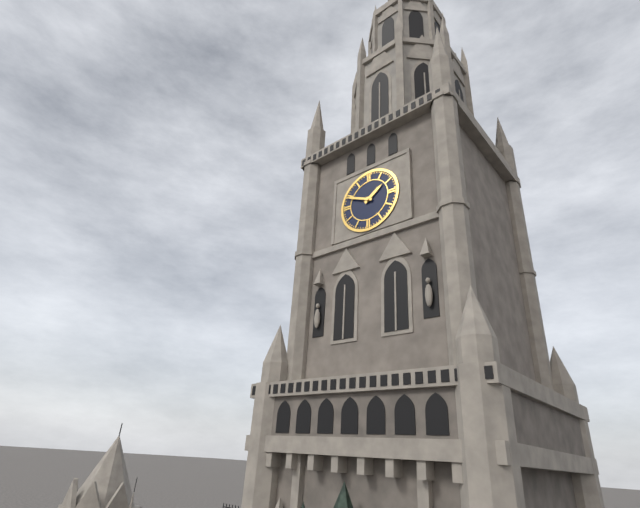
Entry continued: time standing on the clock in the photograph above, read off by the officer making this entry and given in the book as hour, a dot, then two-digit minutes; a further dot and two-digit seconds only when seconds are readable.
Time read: 1.49
